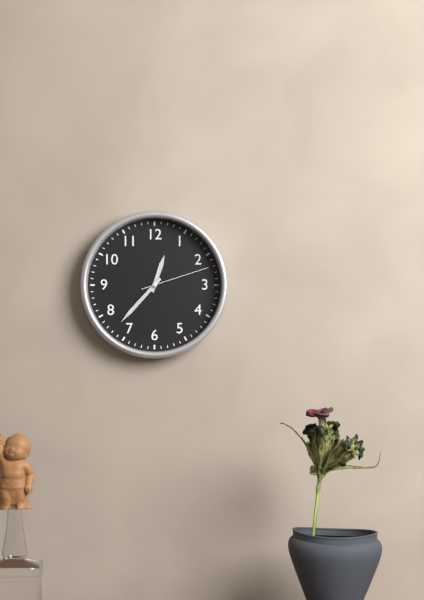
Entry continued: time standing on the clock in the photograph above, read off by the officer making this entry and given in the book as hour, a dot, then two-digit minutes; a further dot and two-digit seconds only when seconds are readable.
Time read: 12.37.12
